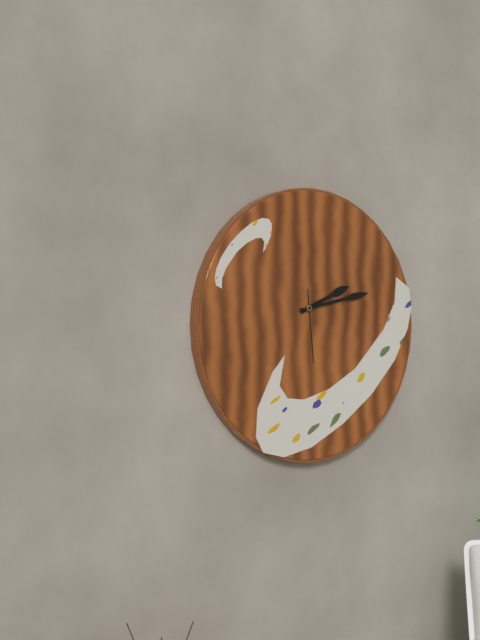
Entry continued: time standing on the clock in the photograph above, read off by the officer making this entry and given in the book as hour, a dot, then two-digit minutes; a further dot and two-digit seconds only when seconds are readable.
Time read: 2.13.29
